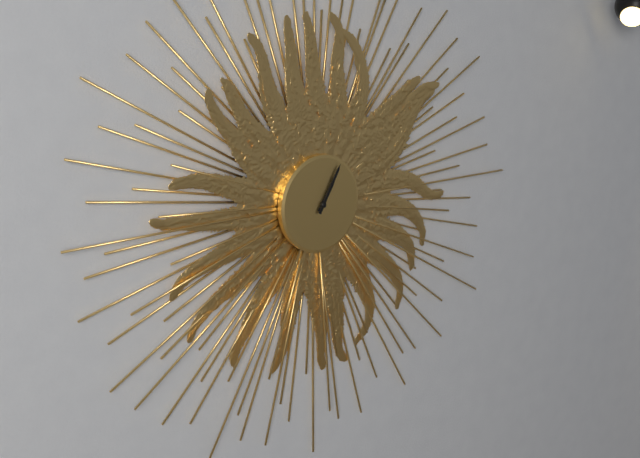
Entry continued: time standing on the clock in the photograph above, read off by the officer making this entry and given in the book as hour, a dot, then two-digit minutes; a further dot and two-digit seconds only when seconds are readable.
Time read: 1.05
